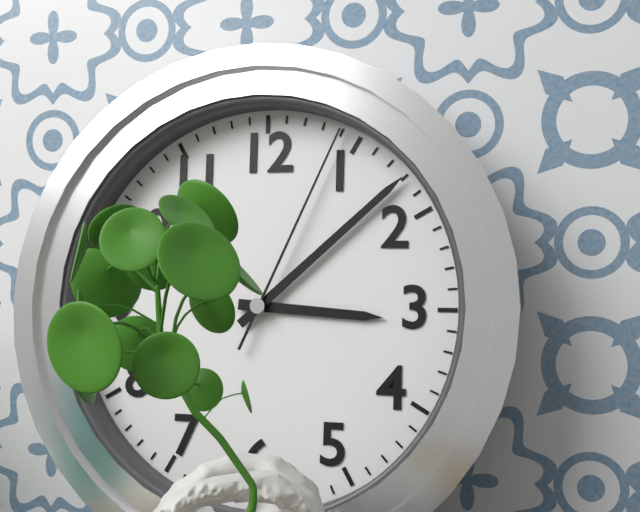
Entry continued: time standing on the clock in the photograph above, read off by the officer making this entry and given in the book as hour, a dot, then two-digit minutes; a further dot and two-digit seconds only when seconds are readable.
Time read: 3.08.04
